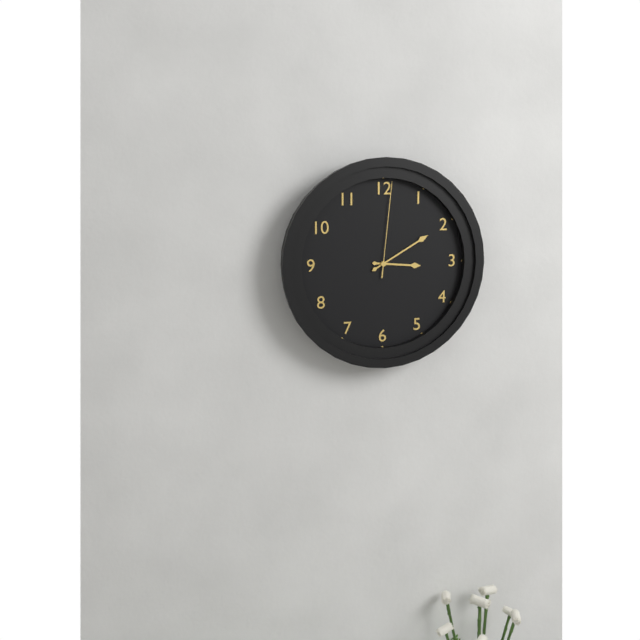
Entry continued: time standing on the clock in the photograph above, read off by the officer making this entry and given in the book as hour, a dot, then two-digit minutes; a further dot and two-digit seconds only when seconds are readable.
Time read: 3.10.01
